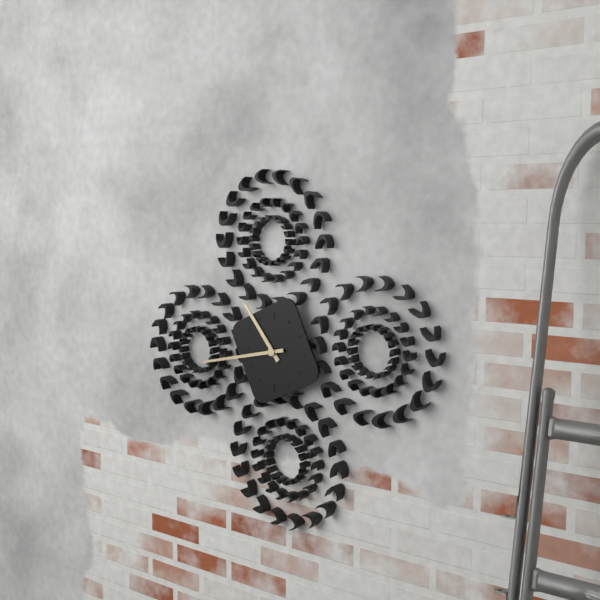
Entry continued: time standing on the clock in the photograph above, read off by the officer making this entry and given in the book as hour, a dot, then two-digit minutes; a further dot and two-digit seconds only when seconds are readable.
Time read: 10.43
